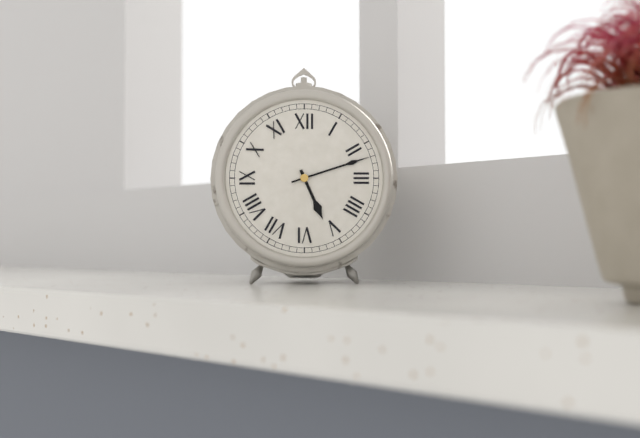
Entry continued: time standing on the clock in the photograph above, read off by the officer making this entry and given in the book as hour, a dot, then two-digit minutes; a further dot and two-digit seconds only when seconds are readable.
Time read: 5.12
